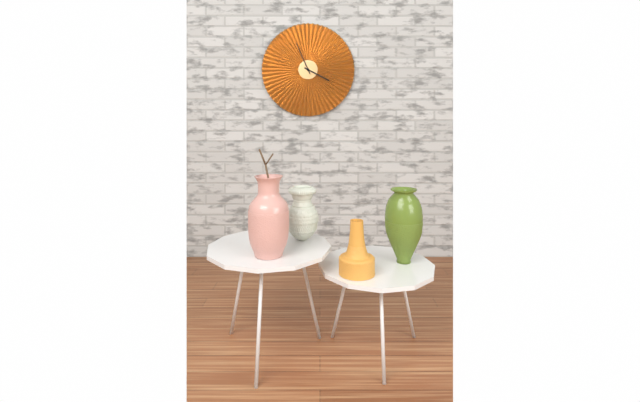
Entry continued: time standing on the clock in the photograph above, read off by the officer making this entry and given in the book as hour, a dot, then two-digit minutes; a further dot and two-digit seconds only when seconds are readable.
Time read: 3.56
